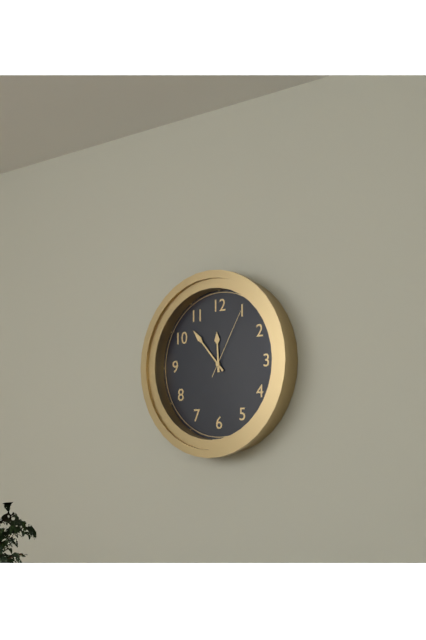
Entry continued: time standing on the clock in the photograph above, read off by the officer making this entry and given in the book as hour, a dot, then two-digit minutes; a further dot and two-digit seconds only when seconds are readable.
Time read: 11.53.05
